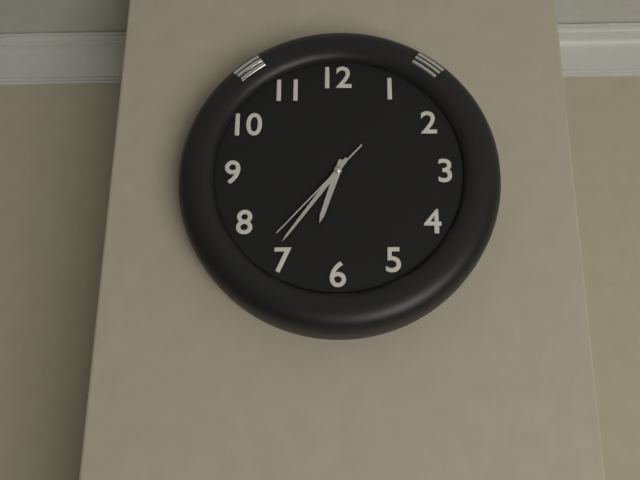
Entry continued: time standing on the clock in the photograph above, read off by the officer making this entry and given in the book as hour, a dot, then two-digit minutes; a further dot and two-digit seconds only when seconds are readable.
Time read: 6.36.37
